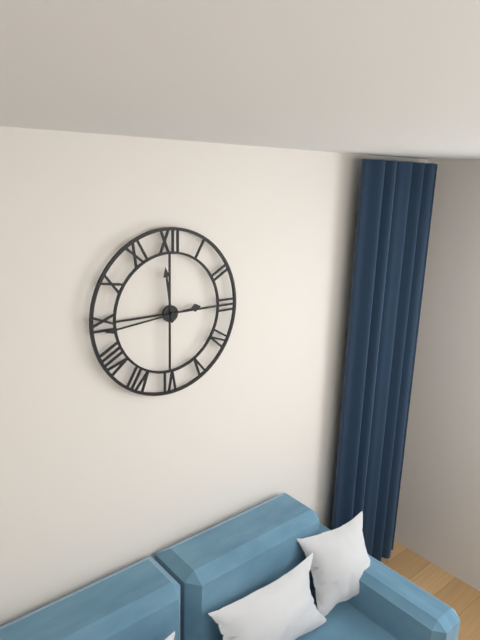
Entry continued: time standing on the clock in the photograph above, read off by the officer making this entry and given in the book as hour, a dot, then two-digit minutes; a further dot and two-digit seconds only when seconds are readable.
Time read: 11.44
